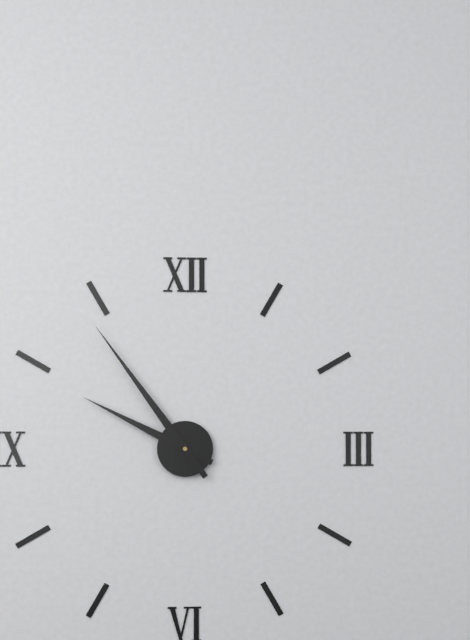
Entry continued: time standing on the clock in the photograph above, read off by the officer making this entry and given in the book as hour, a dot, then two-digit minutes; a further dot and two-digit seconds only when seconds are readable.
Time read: 9.54
